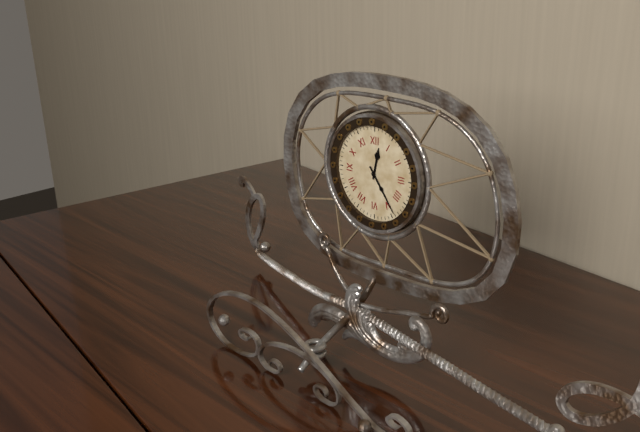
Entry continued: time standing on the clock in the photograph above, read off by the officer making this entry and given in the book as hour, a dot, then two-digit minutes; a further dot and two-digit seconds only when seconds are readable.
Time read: 12.24
